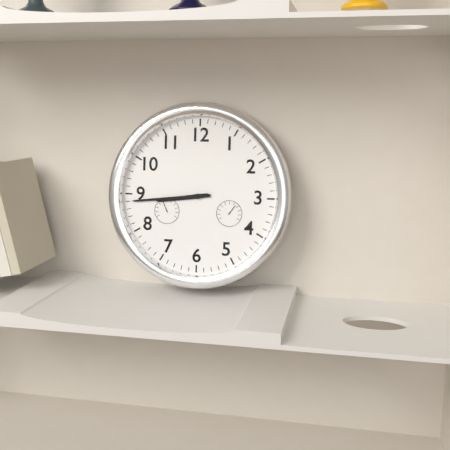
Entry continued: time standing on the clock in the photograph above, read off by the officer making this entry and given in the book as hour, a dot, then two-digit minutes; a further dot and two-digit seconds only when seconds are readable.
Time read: 8.44
